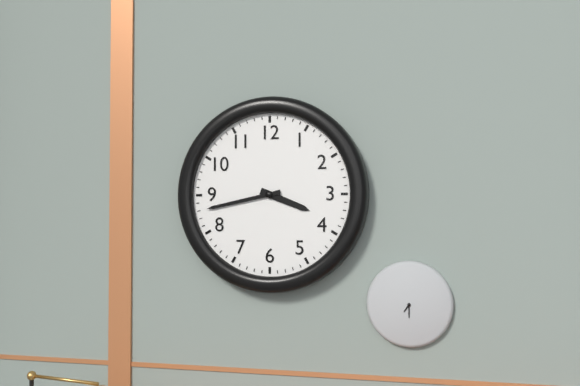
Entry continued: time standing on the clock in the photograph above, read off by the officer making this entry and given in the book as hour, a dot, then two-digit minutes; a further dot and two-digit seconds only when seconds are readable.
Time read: 3.43
